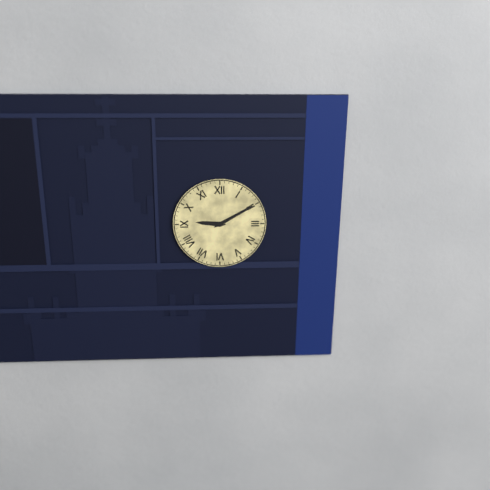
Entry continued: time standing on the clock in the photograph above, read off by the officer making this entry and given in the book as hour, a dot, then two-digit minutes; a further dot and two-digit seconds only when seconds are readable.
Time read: 9.10
